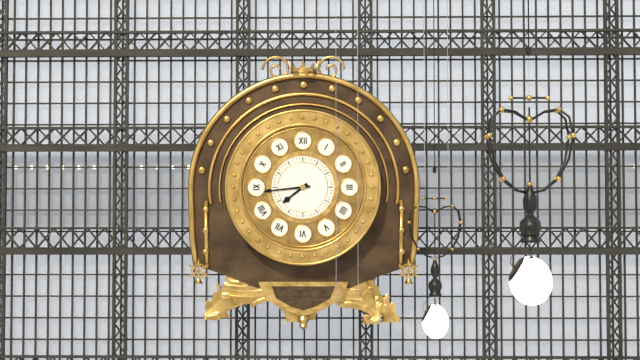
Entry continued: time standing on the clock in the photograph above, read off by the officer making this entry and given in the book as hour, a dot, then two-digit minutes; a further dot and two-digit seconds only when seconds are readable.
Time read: 7.44
